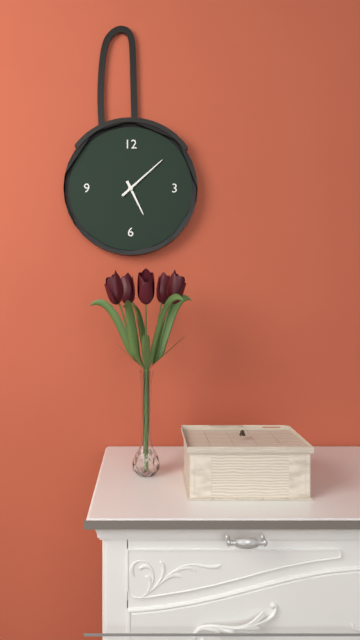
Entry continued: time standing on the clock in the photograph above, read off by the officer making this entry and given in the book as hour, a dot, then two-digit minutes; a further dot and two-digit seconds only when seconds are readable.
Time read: 5.08
